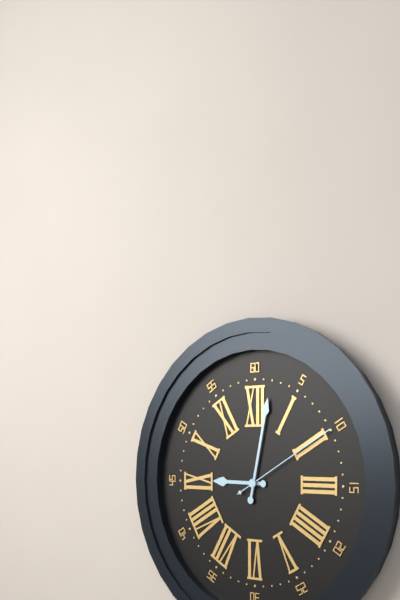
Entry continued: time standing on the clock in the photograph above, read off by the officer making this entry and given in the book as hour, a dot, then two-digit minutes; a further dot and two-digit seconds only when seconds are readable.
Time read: 9.02.10
